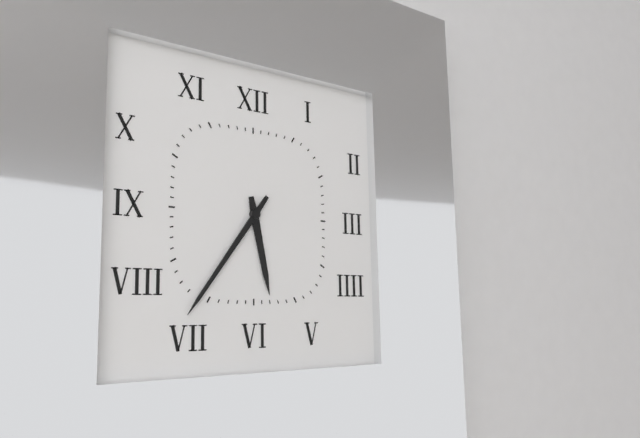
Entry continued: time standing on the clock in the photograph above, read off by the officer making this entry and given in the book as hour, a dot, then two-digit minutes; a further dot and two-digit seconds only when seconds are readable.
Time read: 5.36
